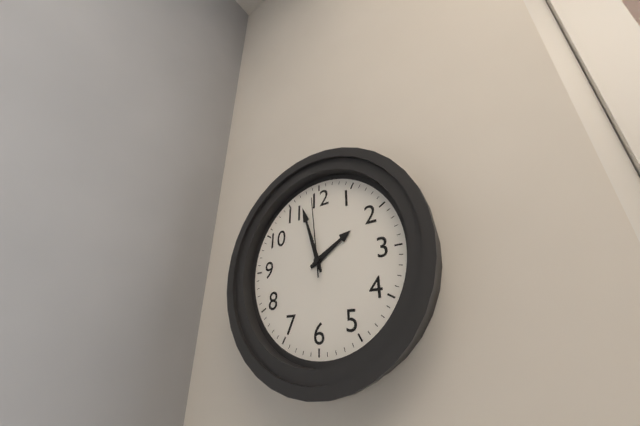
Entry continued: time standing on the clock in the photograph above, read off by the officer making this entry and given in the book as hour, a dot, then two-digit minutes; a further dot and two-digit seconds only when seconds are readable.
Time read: 1.57.59
